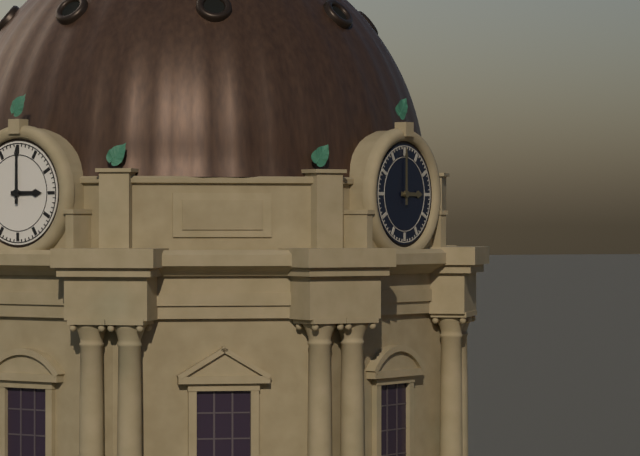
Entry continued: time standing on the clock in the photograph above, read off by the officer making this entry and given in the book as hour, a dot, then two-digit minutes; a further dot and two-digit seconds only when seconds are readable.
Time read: 3.00
